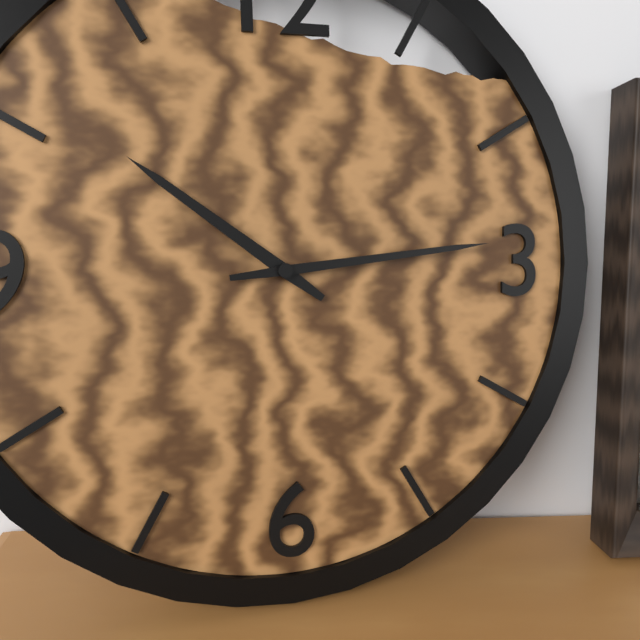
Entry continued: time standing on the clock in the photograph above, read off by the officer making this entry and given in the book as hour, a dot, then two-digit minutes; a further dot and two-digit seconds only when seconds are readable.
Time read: 10.14
